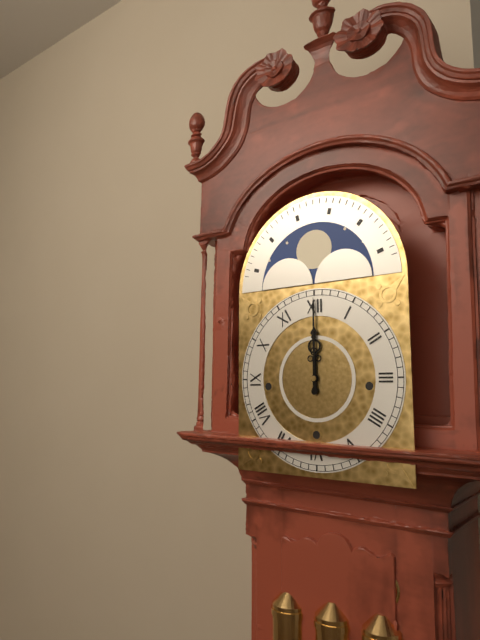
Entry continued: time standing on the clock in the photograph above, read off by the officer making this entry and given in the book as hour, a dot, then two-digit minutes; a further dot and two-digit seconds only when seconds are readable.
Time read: 12.00
